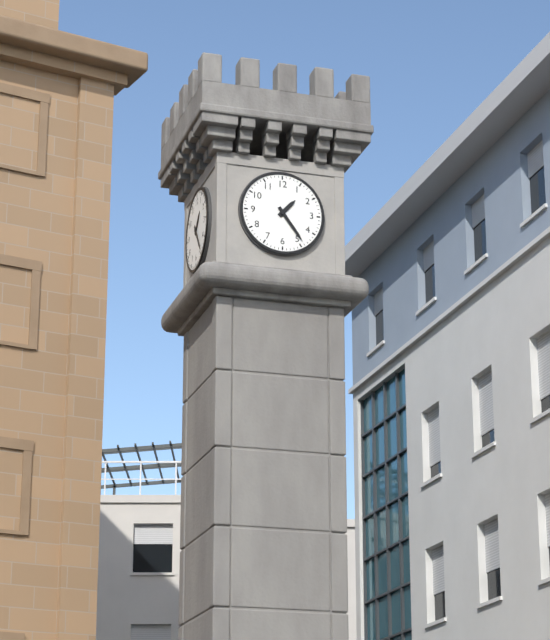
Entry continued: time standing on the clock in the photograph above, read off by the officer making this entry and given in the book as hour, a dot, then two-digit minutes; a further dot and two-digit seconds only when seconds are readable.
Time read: 1.24
